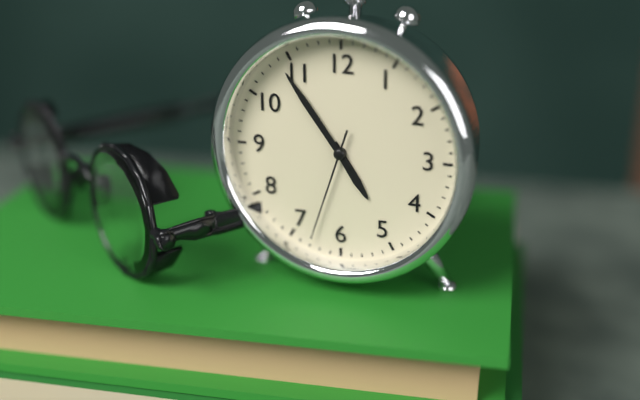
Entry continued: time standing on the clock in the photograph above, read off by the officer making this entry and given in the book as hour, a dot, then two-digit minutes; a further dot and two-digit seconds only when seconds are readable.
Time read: 4.54.33
